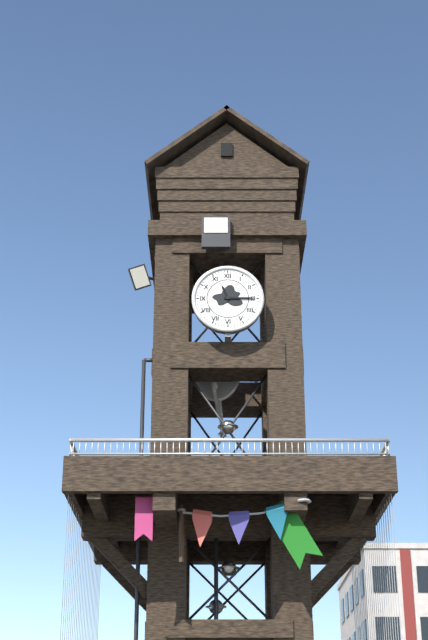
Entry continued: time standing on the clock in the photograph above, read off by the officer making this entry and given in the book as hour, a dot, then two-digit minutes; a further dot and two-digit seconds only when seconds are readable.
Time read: 11.15
